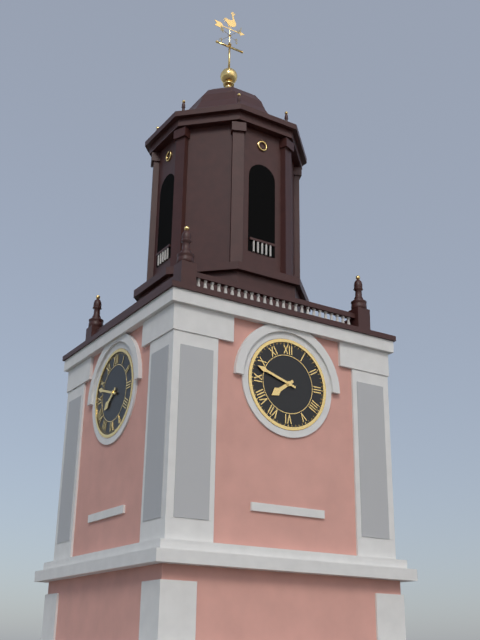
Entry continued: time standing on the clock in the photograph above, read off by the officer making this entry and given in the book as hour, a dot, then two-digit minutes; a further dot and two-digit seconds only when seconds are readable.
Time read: 7.48
